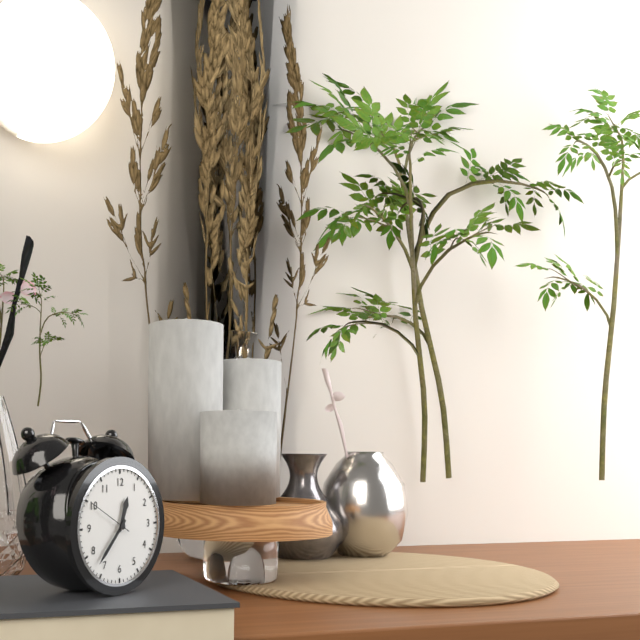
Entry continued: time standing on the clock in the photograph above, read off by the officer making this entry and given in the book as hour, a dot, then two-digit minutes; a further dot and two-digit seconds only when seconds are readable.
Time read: 12.37.50
